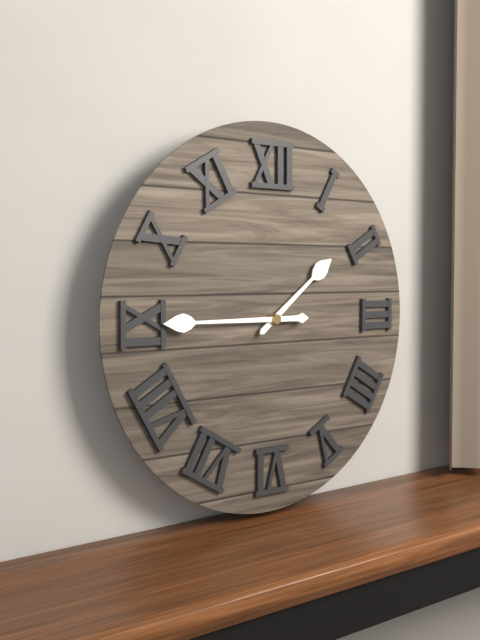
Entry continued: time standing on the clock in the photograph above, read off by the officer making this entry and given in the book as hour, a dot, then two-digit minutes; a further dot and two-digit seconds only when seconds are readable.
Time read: 1.45
